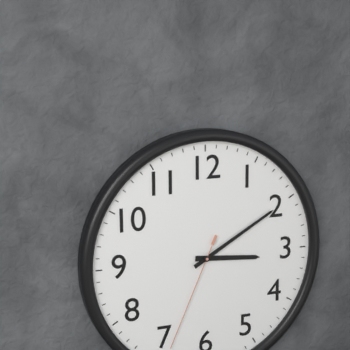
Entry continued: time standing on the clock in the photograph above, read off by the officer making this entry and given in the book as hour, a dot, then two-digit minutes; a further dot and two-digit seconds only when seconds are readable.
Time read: 3.10.34
